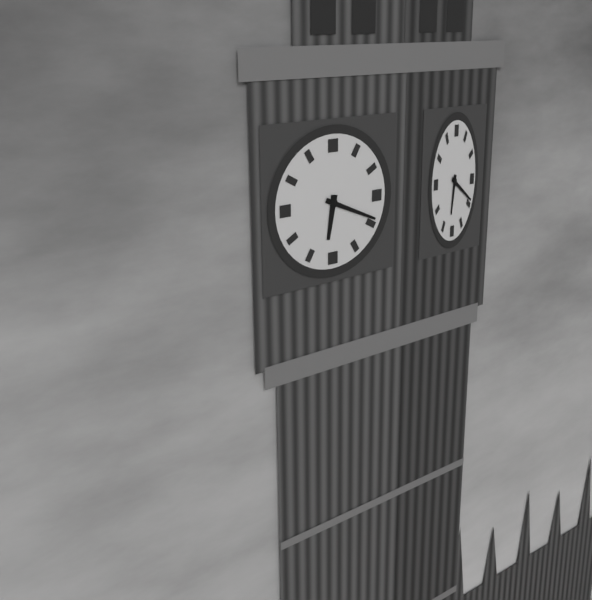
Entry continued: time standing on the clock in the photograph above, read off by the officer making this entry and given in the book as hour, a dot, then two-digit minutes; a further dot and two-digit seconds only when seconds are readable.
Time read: 6.19
